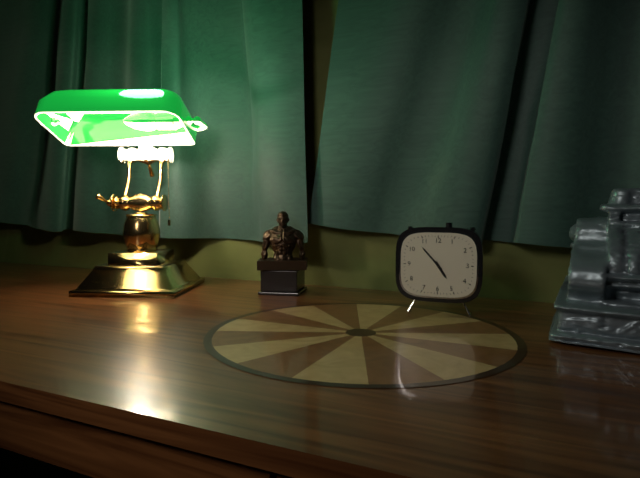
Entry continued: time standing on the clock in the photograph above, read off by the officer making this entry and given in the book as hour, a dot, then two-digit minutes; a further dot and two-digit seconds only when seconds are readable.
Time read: 4.53
